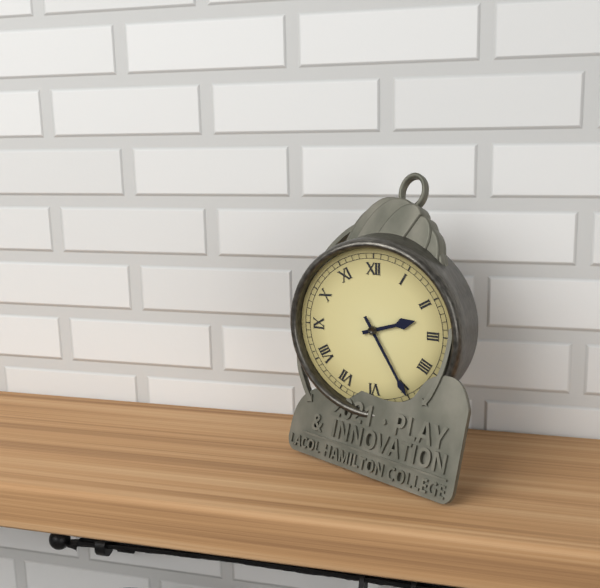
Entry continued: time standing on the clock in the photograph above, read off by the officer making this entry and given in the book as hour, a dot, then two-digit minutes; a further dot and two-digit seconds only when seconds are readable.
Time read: 2.25
